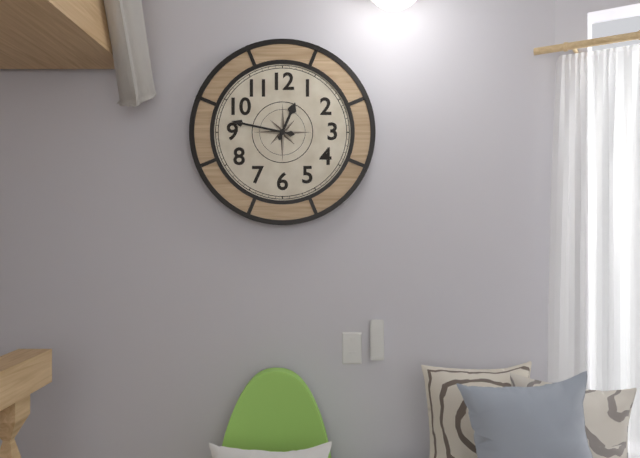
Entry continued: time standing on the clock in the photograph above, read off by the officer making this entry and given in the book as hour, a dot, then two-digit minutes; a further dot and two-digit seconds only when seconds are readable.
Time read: 12.47
